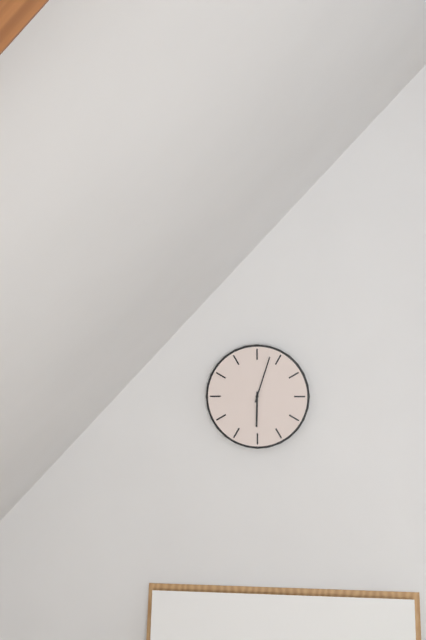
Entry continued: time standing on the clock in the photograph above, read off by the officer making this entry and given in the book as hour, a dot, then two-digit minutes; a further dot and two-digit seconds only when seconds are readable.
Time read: 6.03
